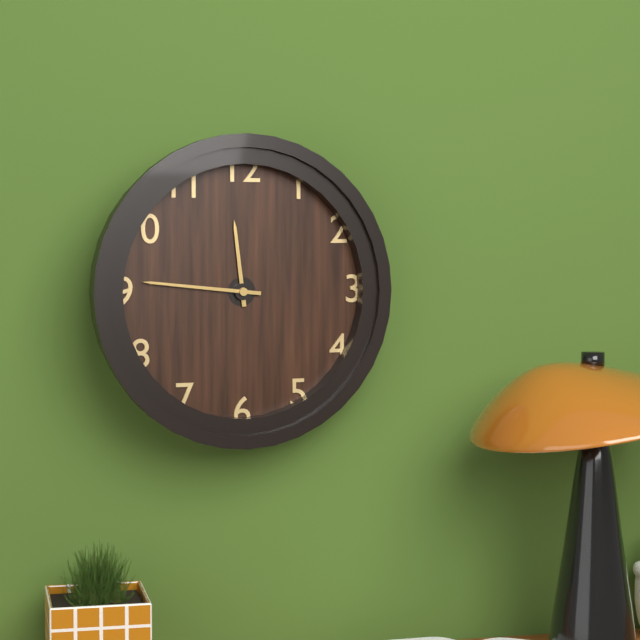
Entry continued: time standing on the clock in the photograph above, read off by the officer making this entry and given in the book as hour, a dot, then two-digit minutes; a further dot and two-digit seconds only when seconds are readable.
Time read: 11.46
